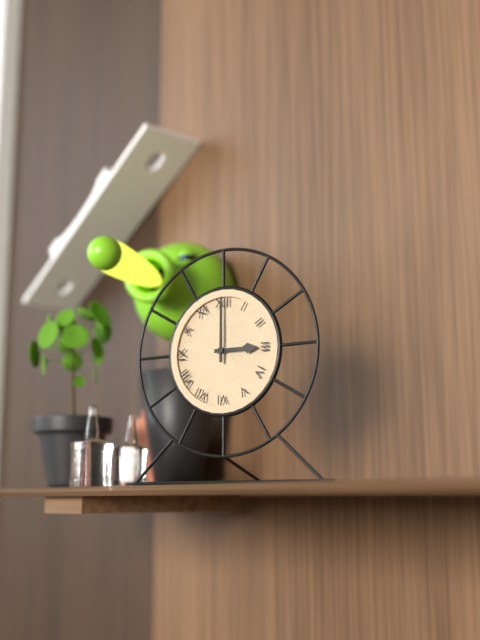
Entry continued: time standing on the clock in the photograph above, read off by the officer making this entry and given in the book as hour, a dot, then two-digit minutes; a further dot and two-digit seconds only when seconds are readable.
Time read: 3.00
